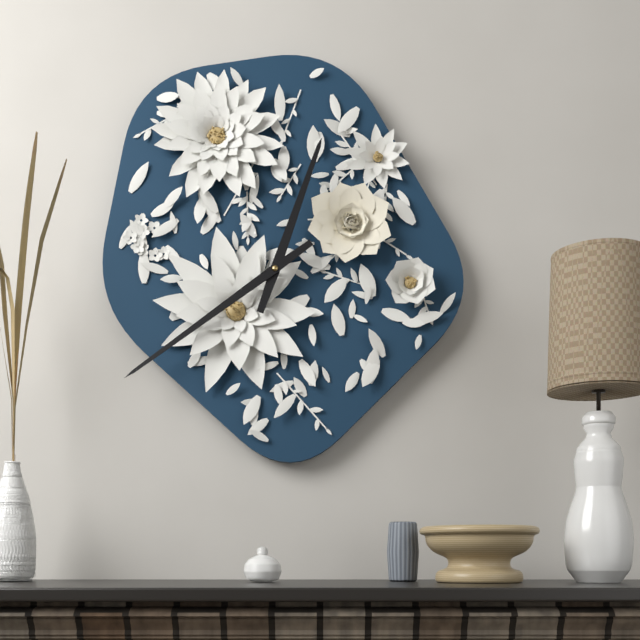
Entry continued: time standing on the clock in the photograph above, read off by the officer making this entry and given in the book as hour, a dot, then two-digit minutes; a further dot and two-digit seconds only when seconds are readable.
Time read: 12.39
